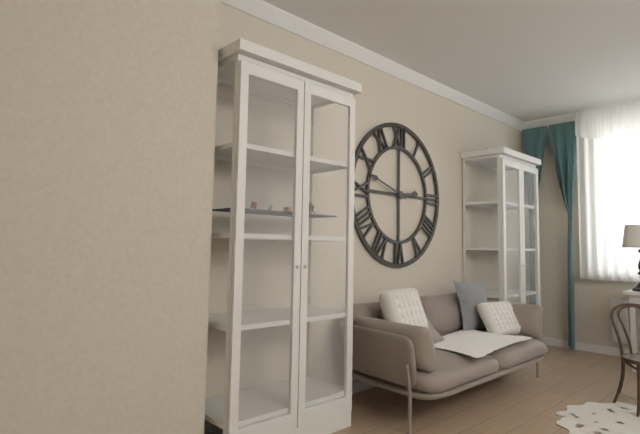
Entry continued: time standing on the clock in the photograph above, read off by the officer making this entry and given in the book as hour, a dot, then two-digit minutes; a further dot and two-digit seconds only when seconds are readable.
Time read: 2.48
